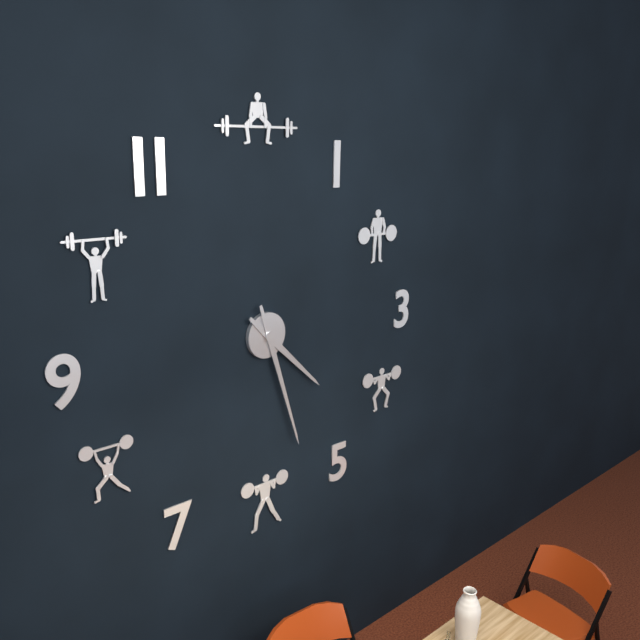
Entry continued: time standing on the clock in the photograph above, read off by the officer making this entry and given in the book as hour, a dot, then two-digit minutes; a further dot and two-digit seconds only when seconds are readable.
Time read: 4.27
